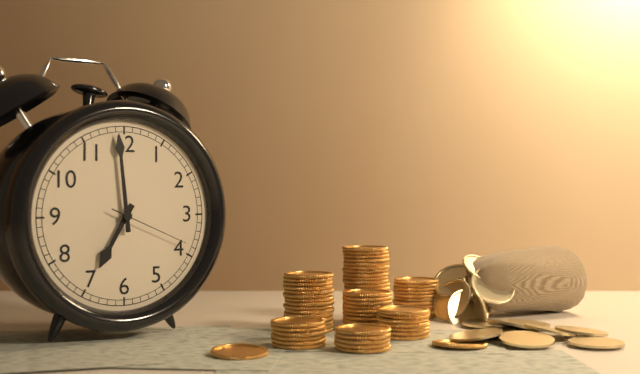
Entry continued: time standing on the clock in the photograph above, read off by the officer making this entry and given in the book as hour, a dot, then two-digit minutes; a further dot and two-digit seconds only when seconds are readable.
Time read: 6.59.19
